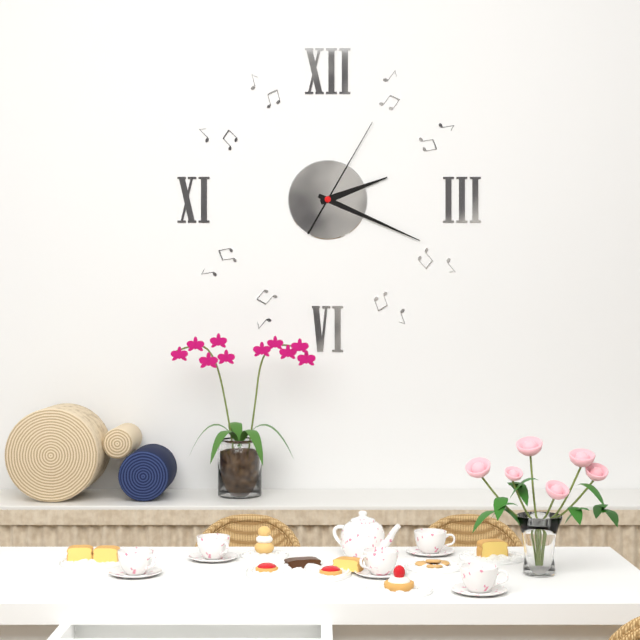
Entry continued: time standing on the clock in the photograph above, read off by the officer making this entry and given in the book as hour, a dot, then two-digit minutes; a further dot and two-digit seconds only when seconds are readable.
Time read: 2.19.05
